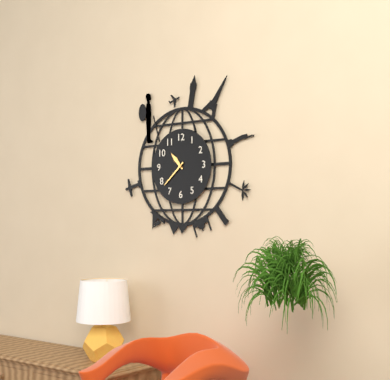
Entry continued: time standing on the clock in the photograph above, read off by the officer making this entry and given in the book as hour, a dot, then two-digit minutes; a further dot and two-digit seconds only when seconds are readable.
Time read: 10.38
